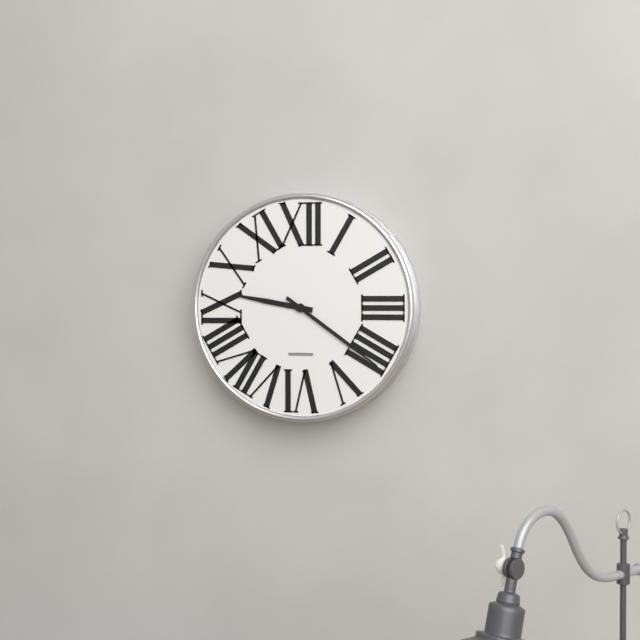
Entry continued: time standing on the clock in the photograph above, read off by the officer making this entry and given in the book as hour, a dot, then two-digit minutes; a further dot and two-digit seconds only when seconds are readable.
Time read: 9.21
